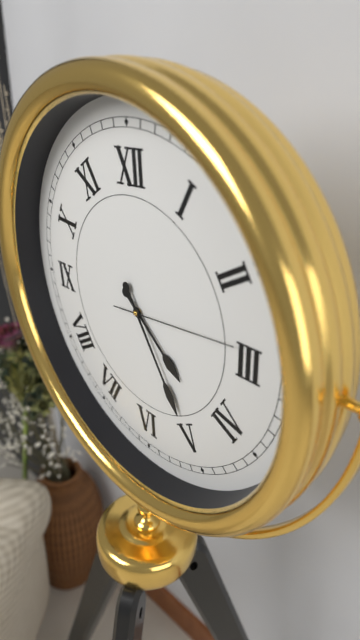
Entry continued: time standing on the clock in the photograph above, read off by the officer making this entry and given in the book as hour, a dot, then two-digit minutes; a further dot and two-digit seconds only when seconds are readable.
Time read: 4.25.14
